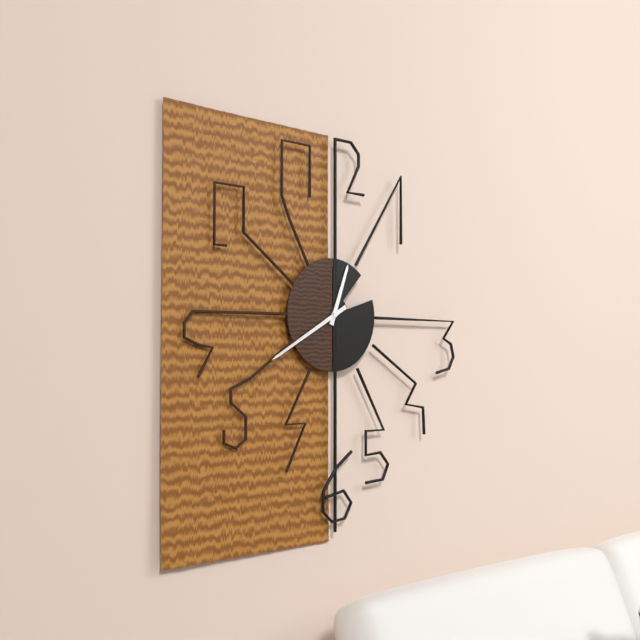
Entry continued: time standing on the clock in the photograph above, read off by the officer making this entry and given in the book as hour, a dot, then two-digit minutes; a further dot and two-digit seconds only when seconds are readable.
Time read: 12.40
